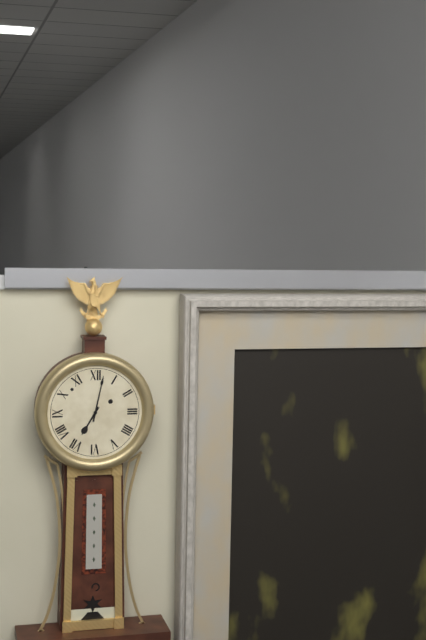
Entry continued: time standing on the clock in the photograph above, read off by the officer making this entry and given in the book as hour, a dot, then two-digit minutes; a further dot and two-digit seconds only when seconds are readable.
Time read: 7.02
